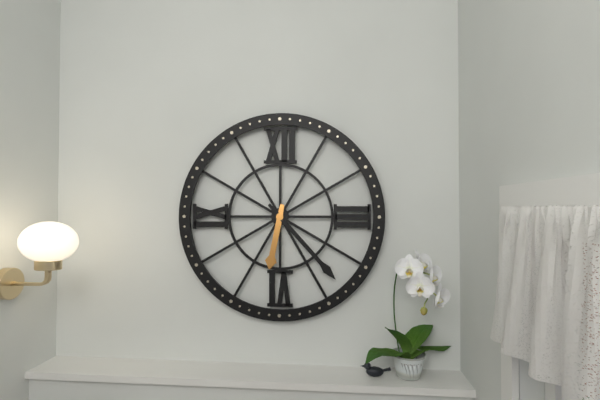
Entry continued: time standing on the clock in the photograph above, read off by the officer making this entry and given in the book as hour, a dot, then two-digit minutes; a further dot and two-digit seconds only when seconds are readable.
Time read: 6.23
